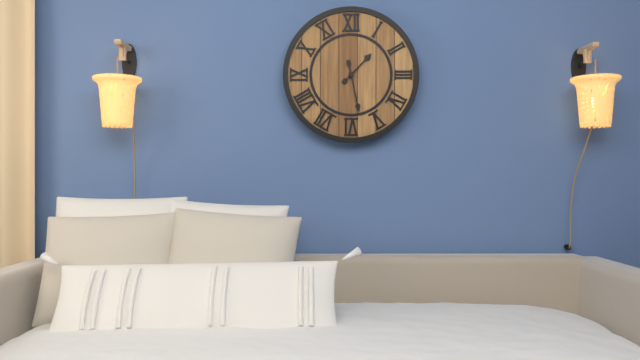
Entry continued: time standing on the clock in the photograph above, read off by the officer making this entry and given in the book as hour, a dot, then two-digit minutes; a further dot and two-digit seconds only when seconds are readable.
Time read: 1.28
